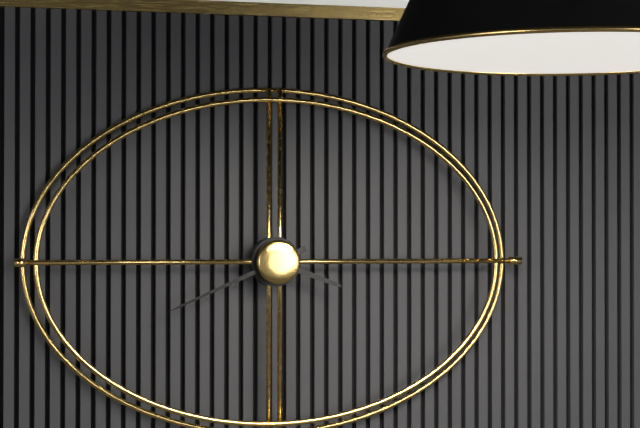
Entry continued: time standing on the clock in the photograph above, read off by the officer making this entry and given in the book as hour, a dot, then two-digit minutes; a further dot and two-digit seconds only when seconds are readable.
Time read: 3.41
